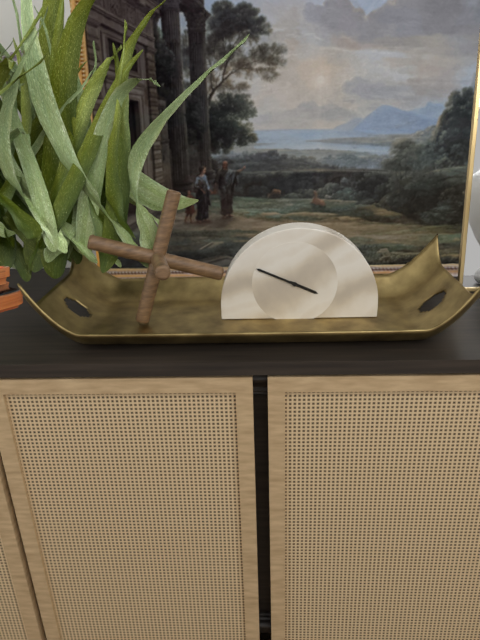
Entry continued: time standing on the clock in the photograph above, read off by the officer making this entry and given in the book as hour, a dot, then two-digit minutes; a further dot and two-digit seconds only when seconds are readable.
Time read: 3.49
